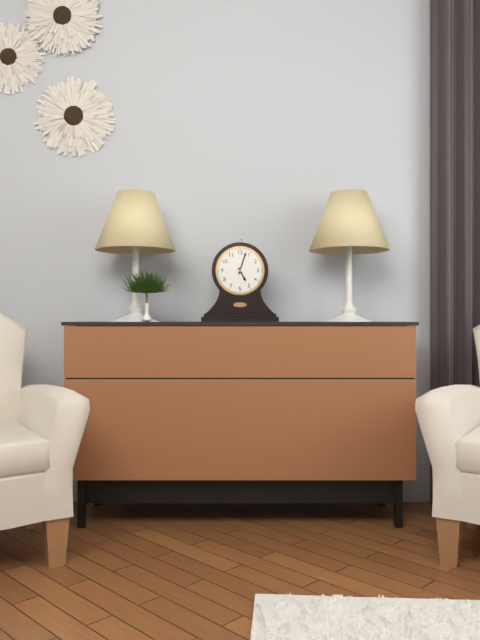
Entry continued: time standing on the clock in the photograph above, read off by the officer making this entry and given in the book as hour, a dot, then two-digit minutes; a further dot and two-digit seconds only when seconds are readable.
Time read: 5.03
